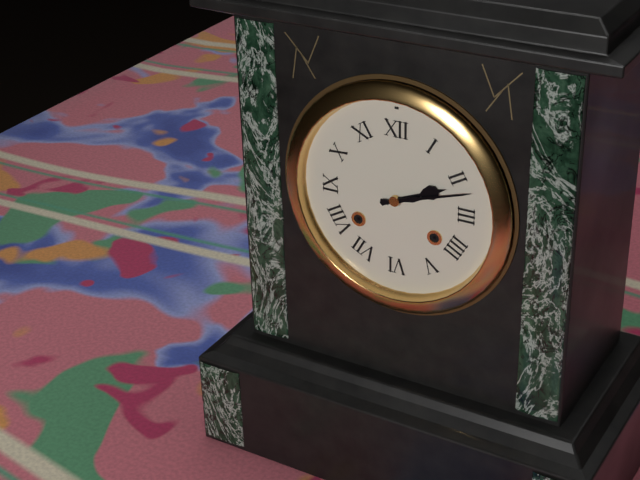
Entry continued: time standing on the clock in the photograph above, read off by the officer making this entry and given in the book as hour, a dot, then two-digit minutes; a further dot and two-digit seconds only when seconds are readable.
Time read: 2.12
